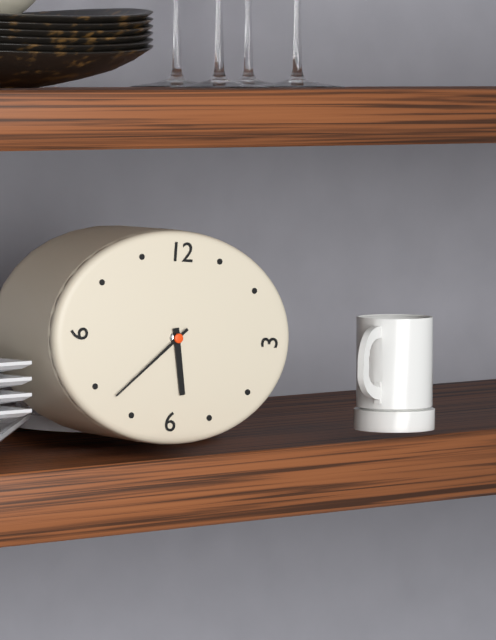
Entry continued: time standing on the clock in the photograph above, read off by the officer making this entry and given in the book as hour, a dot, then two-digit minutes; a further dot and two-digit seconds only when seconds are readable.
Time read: 5.38
